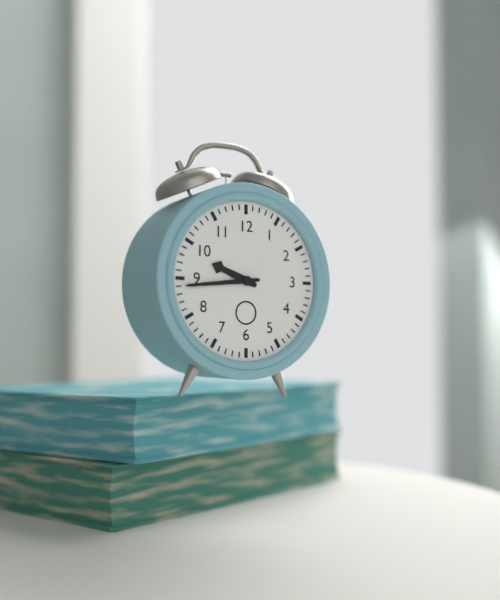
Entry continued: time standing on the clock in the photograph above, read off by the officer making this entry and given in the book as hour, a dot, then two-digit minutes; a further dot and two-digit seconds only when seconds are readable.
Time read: 9.44
